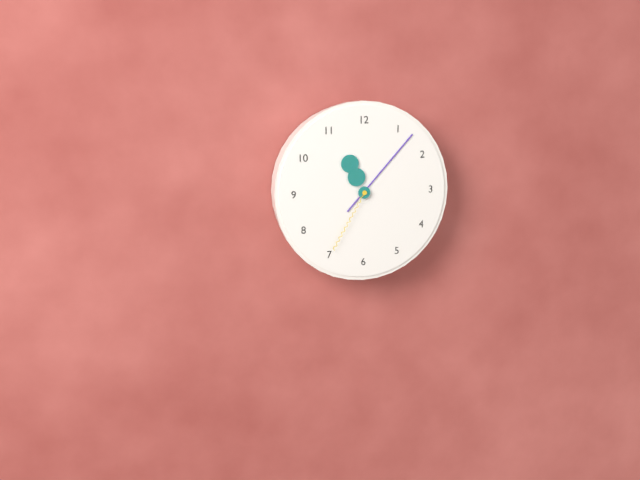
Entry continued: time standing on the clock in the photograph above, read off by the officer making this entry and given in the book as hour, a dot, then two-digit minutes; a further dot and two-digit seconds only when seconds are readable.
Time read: 11.07.35
